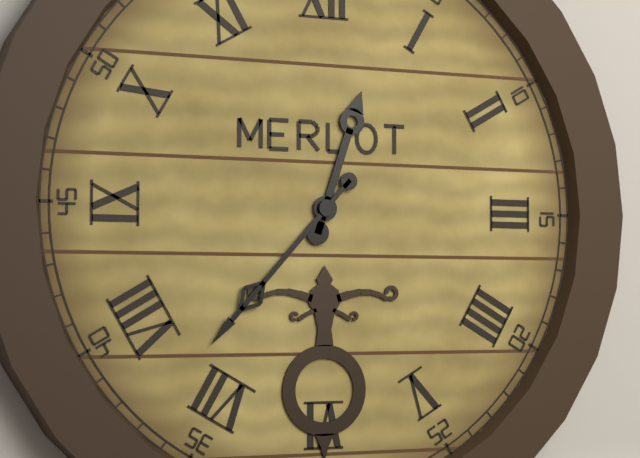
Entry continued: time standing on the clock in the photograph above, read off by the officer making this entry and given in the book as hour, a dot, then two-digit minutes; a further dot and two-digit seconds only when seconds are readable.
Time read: 12.37
